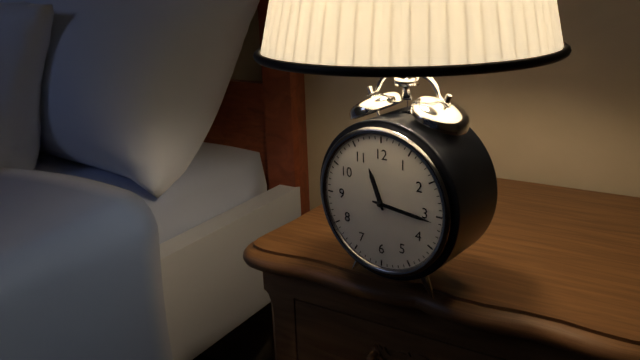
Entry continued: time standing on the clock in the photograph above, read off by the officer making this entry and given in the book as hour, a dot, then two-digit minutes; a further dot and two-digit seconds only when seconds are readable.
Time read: 11.16
